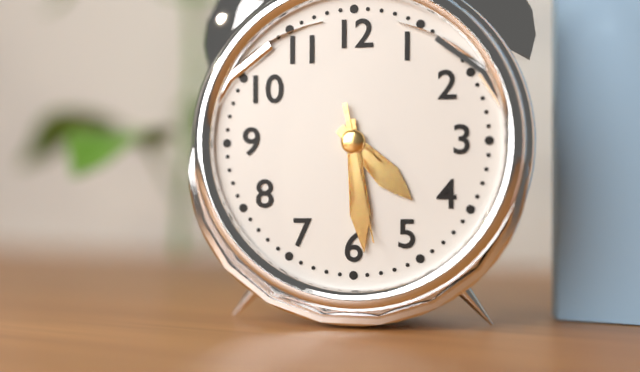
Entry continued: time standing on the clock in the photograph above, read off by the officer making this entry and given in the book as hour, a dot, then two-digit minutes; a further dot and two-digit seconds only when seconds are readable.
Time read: 4.29.28
